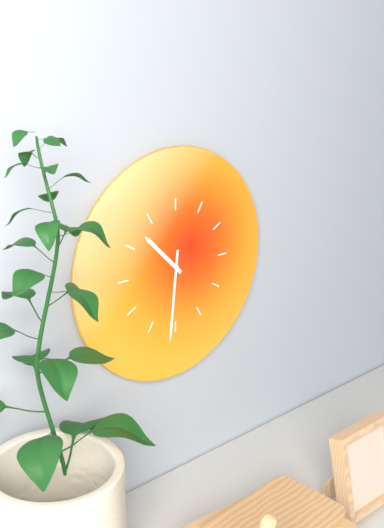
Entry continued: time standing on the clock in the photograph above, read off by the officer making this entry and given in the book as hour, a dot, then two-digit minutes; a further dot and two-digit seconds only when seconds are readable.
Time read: 10.31
